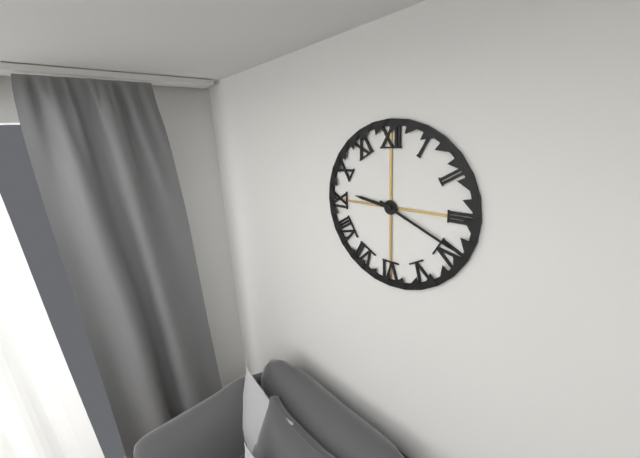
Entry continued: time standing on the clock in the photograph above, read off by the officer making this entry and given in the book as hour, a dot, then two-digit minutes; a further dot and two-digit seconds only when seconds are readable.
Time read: 9.19
